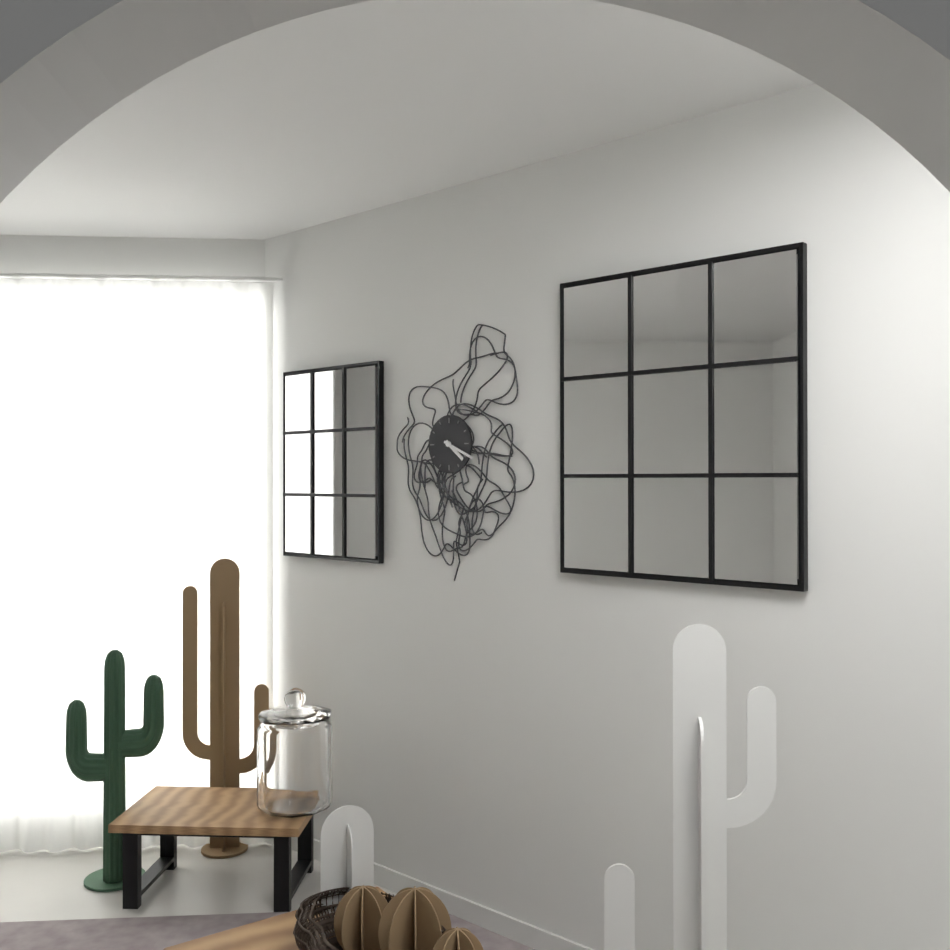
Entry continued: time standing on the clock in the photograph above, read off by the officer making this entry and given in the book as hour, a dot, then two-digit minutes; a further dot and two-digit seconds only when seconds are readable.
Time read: 4.19
